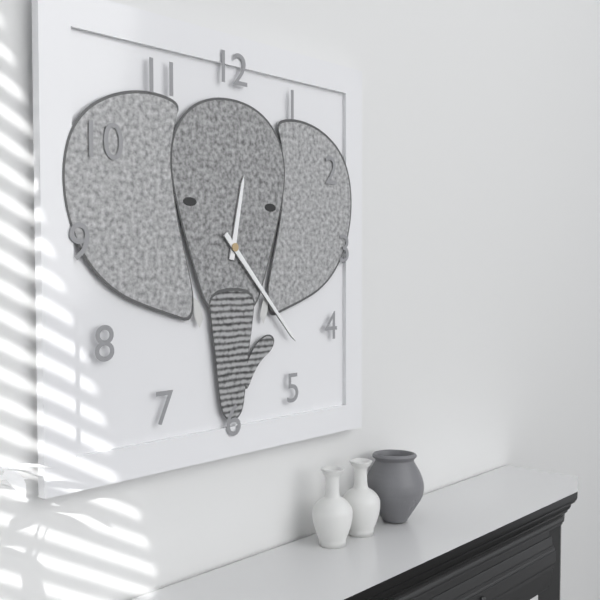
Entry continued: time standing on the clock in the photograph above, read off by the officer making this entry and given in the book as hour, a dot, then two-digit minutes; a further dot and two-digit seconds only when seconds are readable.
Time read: 12.23
